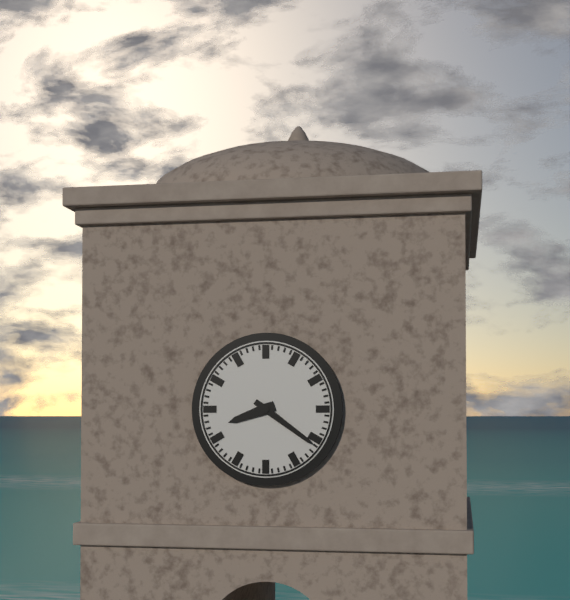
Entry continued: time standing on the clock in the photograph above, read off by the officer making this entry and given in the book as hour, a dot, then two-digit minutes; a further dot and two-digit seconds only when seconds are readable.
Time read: 8.21
